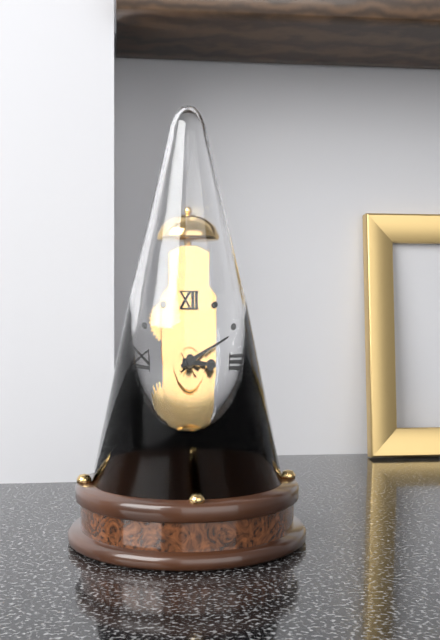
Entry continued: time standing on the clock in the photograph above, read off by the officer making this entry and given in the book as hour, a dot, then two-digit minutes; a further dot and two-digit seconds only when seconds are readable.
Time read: 3.11
